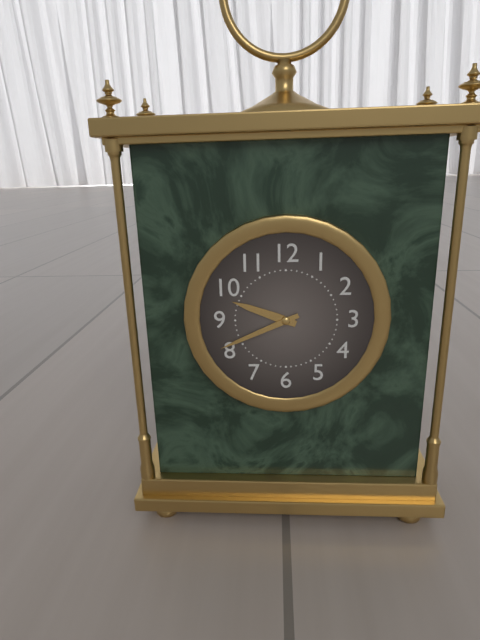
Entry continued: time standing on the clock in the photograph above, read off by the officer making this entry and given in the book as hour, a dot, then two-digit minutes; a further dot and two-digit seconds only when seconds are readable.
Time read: 9.41
